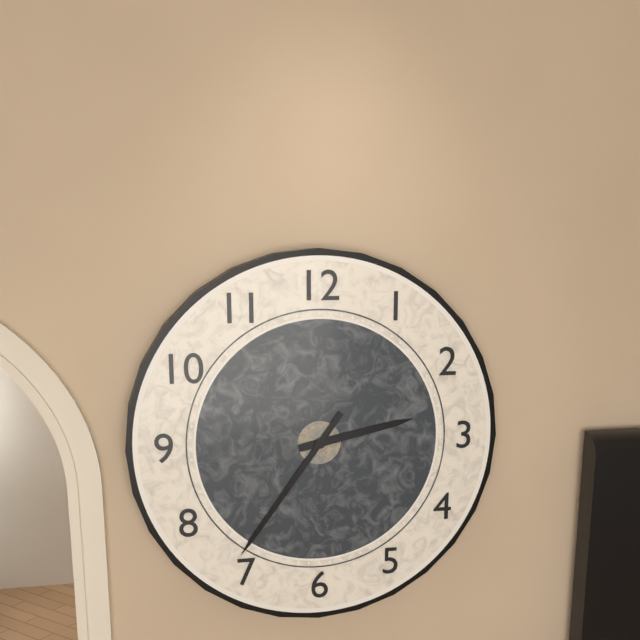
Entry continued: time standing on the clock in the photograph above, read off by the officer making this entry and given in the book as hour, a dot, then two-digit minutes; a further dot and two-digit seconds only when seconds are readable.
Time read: 2.36
